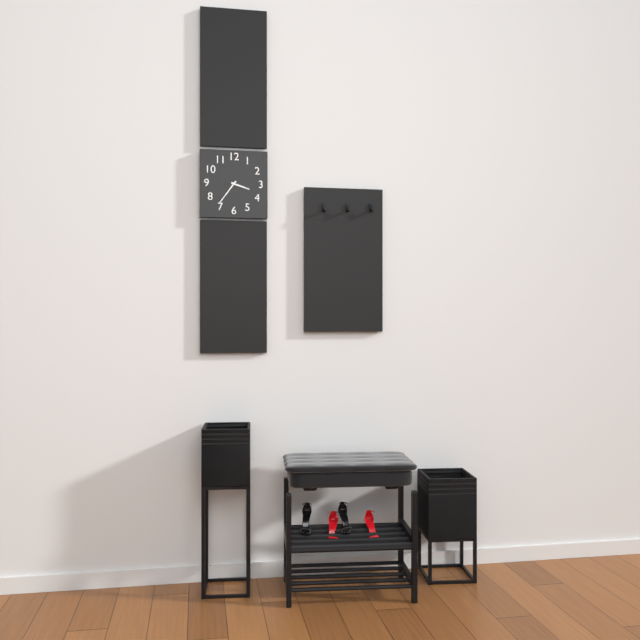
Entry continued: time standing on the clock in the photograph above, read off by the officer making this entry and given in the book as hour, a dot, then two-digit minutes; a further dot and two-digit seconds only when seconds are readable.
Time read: 3.36
